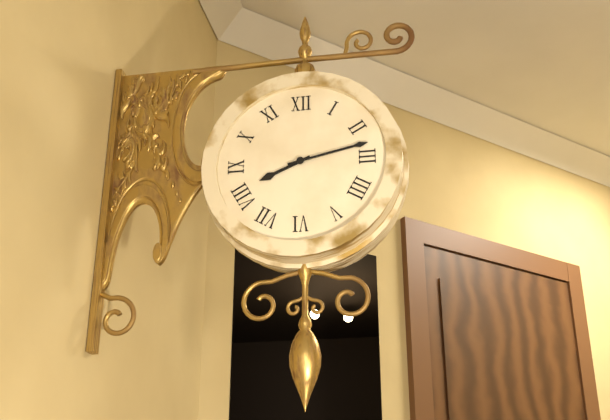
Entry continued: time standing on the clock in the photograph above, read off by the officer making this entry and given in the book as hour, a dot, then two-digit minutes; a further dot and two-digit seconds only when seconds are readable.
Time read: 8.13
